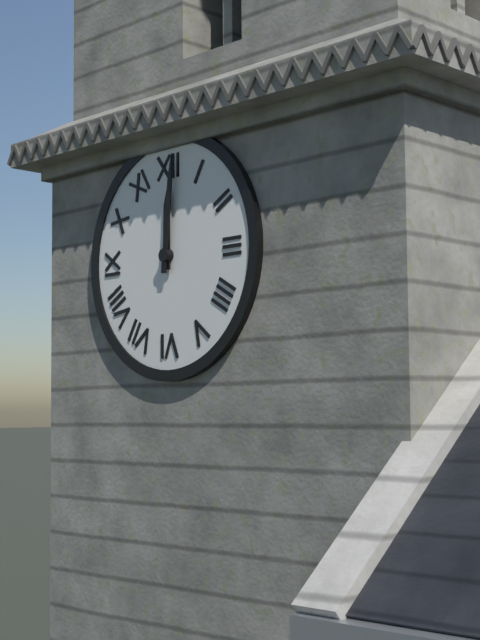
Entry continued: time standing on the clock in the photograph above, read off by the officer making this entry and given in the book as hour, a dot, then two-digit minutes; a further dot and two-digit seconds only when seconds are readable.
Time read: 12.01
